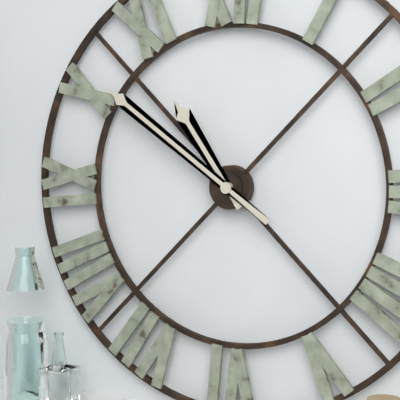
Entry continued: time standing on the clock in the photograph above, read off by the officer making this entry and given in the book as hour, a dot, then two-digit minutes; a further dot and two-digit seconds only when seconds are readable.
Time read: 10.51
